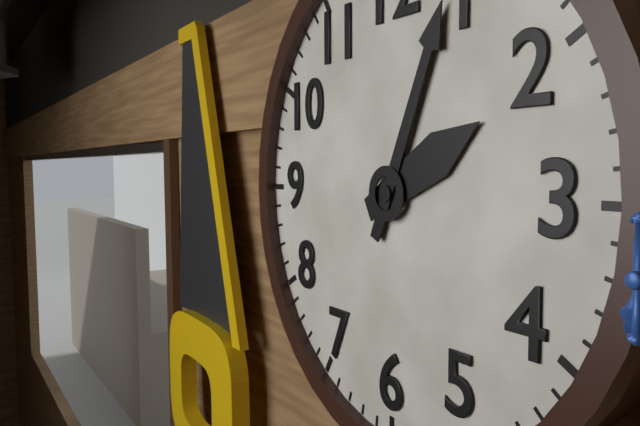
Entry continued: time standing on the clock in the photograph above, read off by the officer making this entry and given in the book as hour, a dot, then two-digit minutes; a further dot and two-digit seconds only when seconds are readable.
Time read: 2.04
